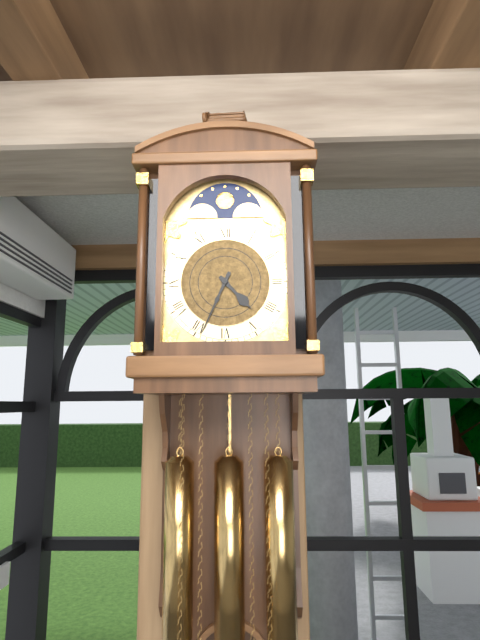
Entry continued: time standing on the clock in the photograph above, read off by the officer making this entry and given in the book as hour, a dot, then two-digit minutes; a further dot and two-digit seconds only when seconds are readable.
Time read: 4.34
